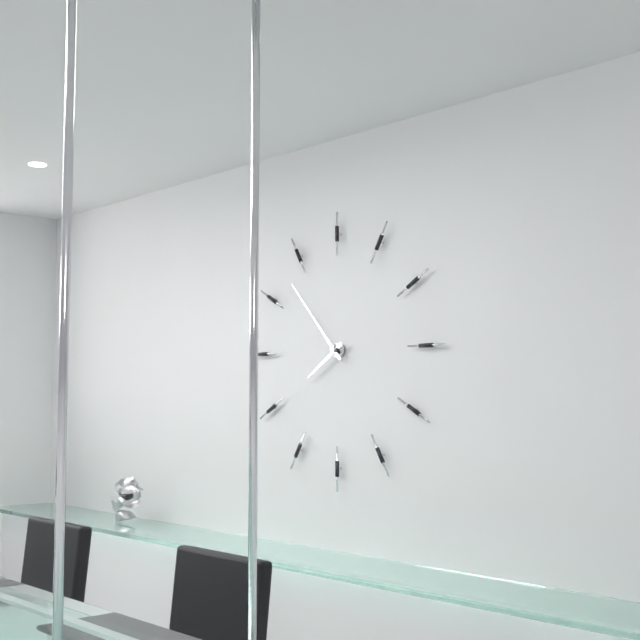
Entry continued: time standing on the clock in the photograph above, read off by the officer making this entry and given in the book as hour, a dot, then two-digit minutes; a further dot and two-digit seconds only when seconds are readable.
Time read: 7.53
